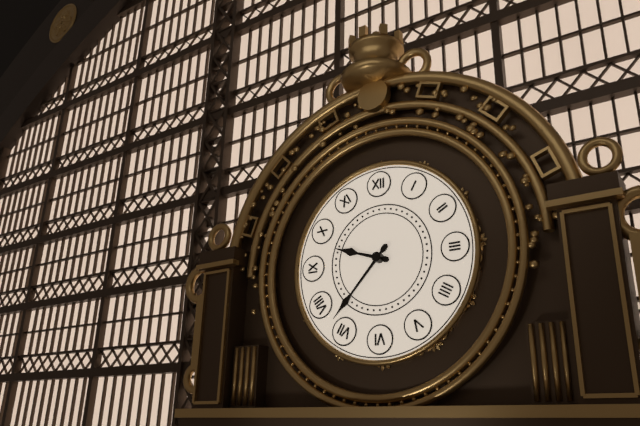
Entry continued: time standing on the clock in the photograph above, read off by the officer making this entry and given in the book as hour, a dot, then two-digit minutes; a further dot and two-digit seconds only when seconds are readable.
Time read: 9.37
